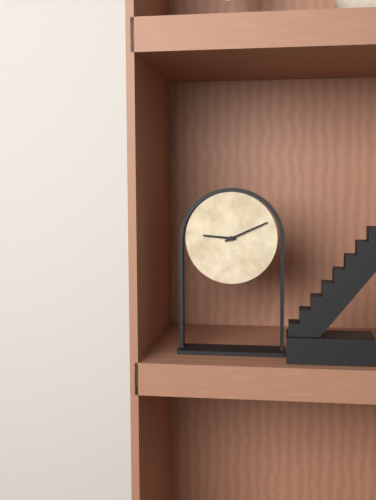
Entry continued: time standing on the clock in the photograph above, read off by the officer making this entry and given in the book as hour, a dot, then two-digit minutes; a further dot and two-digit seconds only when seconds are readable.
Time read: 9.11
